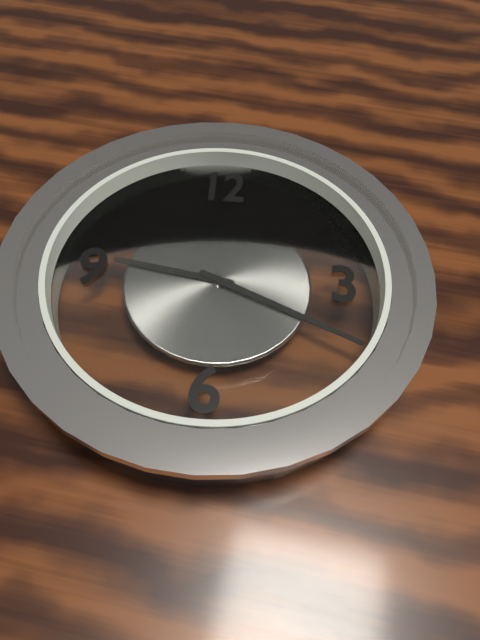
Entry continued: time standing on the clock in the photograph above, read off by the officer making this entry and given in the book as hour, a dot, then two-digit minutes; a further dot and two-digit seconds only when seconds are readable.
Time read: 9.19
